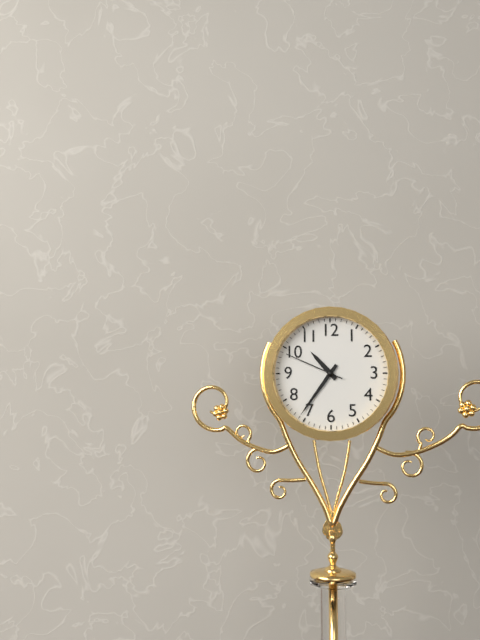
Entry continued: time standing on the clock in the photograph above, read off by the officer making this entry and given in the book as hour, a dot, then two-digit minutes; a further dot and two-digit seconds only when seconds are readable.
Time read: 10.36.49
